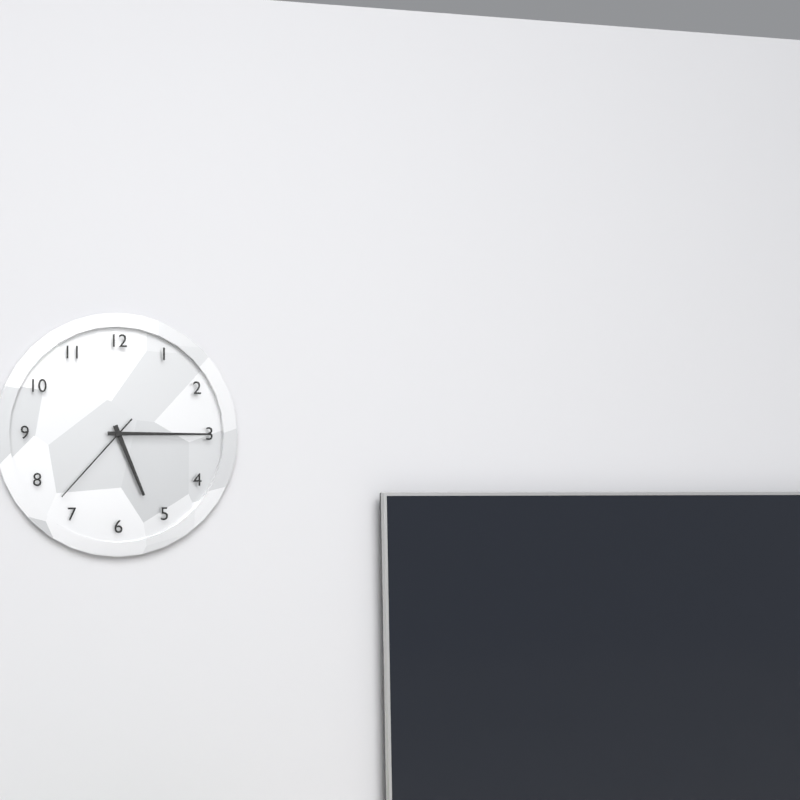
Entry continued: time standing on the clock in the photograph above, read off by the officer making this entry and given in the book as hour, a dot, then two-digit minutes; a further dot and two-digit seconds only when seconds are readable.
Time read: 5.15.37
